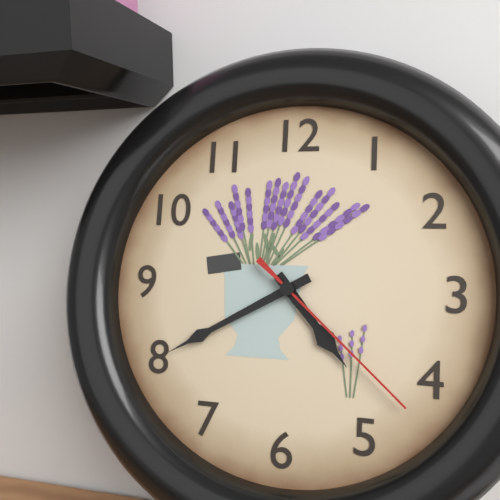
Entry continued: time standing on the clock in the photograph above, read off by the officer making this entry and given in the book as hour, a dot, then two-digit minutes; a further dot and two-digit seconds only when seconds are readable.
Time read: 4.40.22
